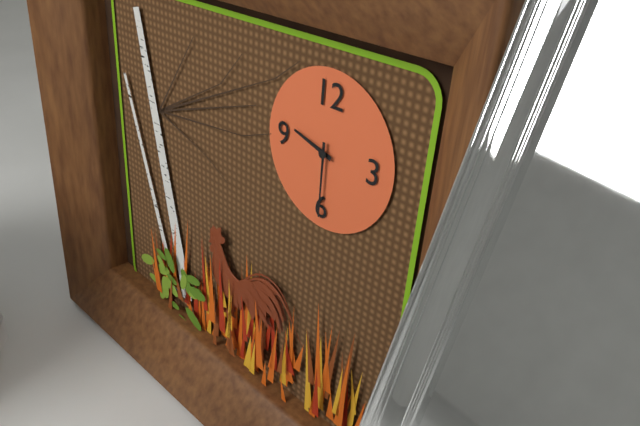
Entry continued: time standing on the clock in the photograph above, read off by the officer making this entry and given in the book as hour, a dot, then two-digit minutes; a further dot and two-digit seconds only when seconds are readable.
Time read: 9.30
